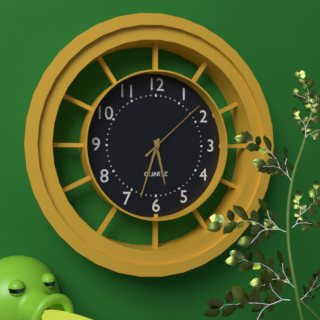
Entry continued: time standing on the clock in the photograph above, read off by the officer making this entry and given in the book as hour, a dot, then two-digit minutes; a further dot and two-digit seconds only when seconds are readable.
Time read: 5.33.08
